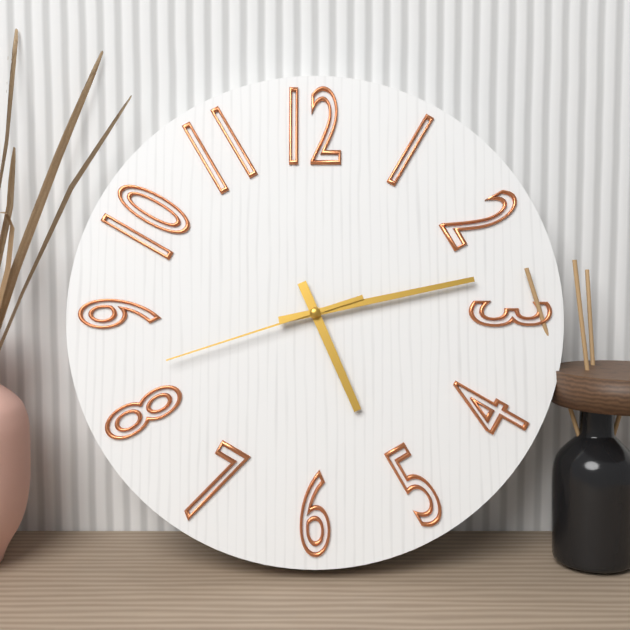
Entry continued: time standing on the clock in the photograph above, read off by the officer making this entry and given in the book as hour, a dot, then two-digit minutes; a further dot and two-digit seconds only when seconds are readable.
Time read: 5.13.42
